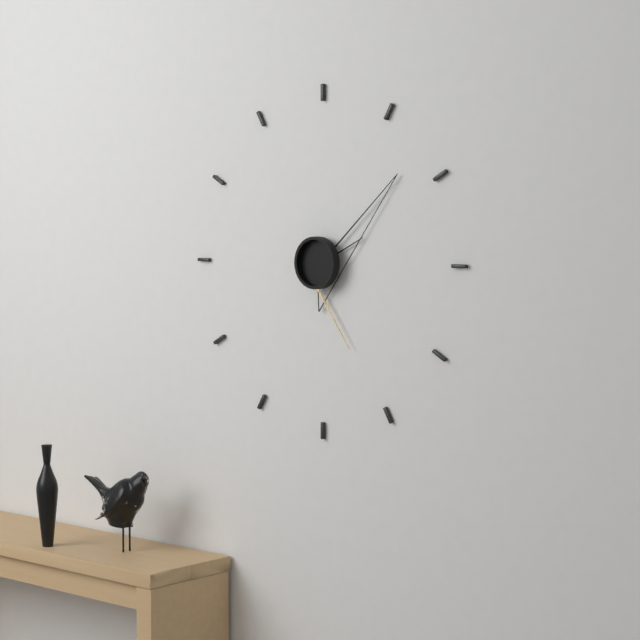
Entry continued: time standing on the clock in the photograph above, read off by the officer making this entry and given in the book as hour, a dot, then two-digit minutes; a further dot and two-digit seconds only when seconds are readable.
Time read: 2.08.26
